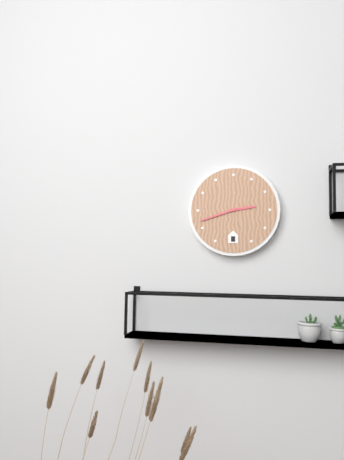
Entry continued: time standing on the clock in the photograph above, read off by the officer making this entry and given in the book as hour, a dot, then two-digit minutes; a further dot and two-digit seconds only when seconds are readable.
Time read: 2.42
